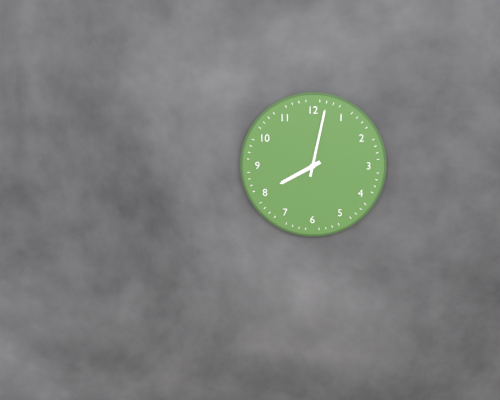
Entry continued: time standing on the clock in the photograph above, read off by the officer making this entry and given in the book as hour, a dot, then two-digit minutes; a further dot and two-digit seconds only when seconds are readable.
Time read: 8.02
